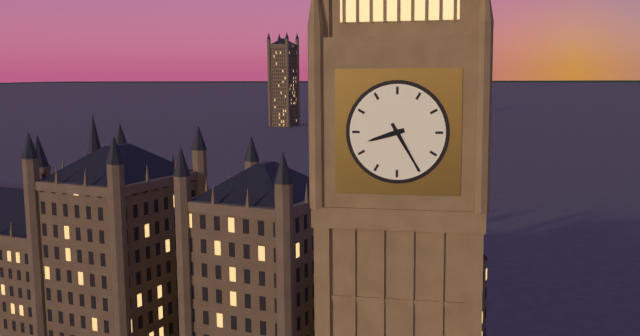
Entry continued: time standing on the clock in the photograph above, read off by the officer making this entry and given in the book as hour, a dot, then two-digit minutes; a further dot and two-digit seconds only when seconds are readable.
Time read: 8.25
